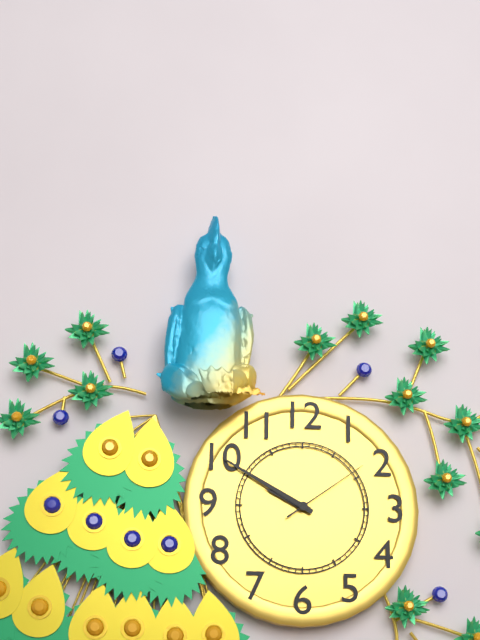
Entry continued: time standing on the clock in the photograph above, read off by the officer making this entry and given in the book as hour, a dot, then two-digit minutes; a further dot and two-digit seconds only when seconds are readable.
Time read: 9.50.09
